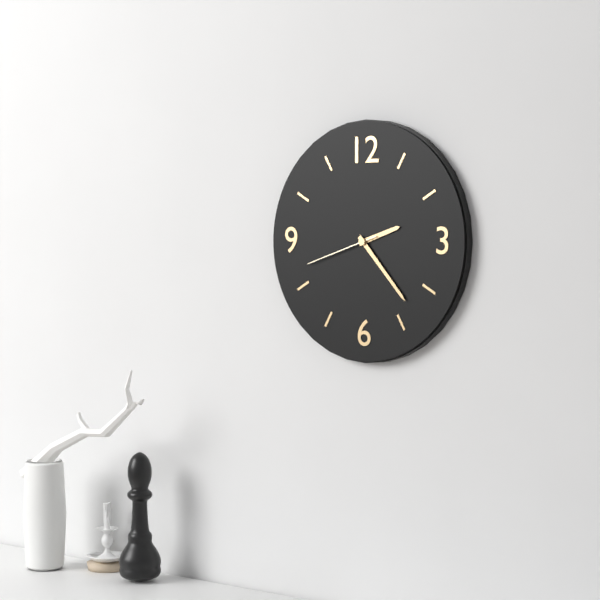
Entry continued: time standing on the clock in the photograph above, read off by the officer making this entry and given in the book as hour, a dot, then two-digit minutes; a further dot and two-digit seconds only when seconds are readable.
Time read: 2.23.42
